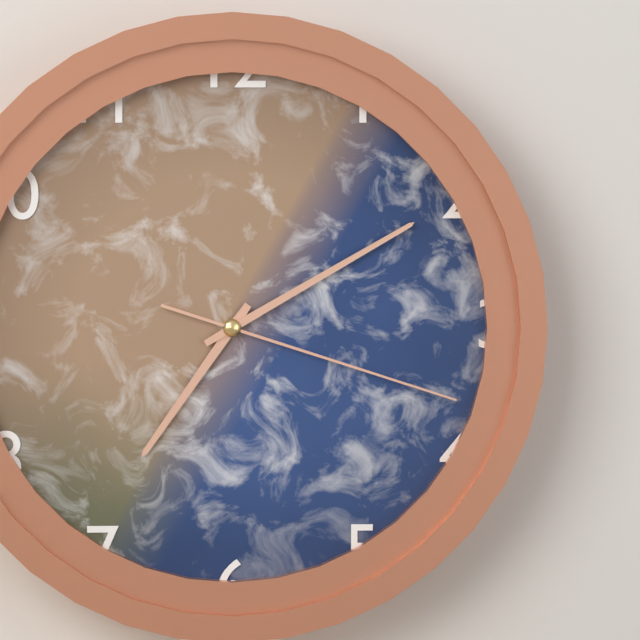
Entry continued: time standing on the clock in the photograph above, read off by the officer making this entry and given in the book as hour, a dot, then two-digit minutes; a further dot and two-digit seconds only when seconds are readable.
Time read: 7.10.18
